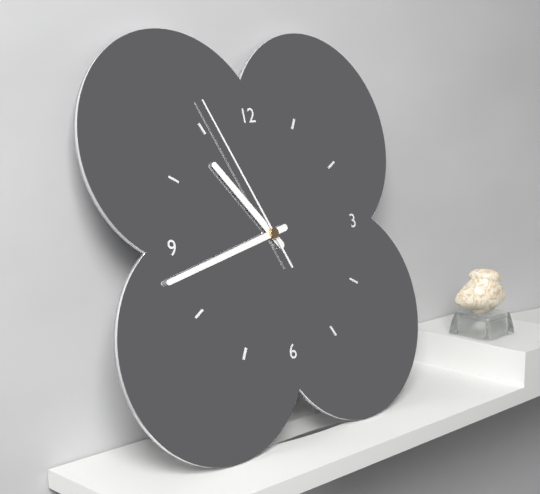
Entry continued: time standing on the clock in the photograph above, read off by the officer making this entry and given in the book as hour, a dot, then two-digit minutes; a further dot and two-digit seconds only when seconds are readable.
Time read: 10.43.56
